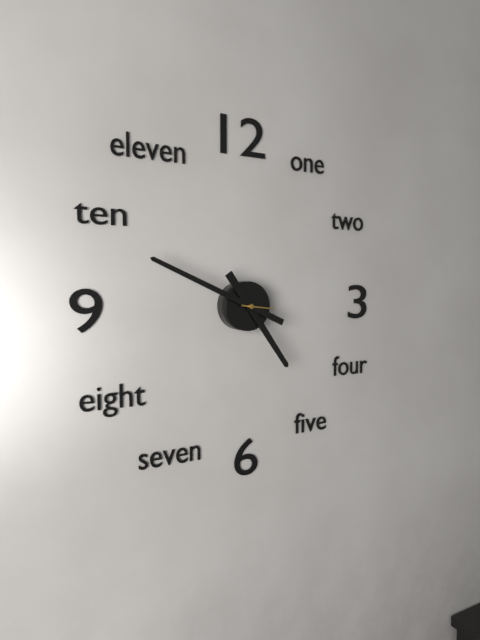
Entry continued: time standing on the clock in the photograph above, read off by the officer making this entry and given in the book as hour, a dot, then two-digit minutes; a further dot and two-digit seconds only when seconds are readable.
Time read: 4.49
